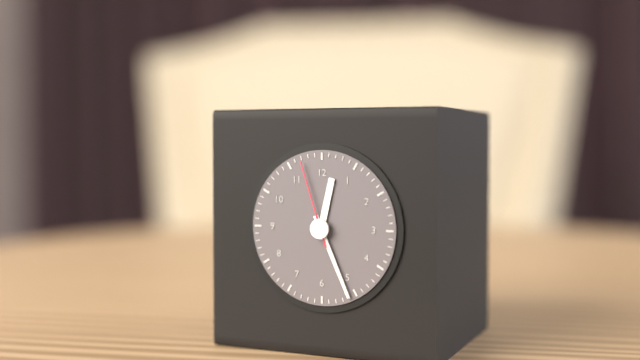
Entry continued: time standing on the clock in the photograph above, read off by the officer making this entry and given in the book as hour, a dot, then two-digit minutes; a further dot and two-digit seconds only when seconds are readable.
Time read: 12.26.57
